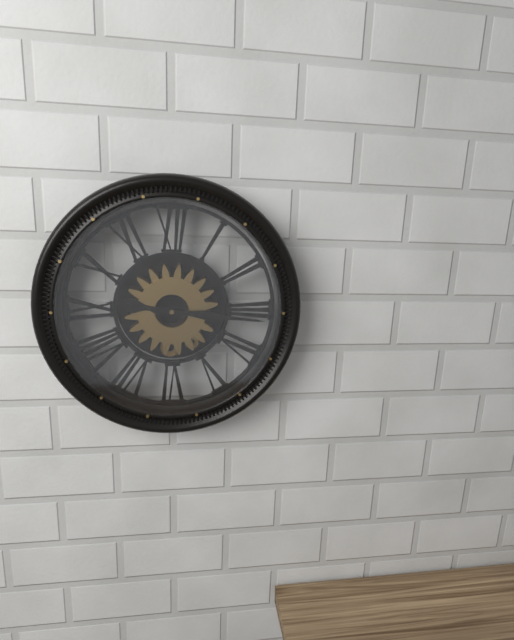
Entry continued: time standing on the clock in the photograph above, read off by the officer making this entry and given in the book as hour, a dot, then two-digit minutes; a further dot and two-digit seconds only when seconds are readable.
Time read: 9.16
